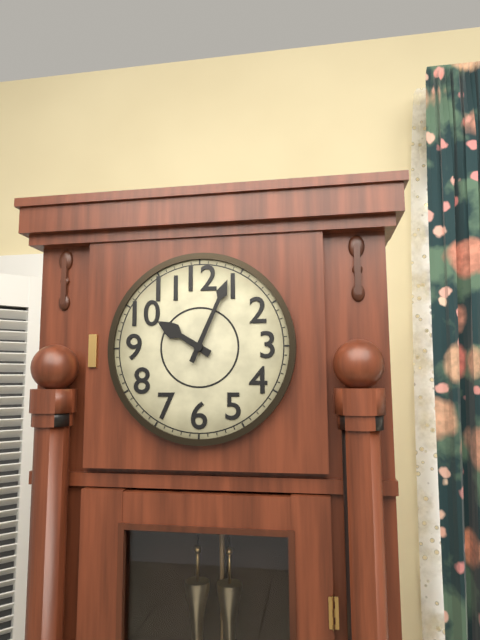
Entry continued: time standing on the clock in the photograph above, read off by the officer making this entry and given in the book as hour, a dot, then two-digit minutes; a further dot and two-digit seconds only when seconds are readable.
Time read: 10.04
